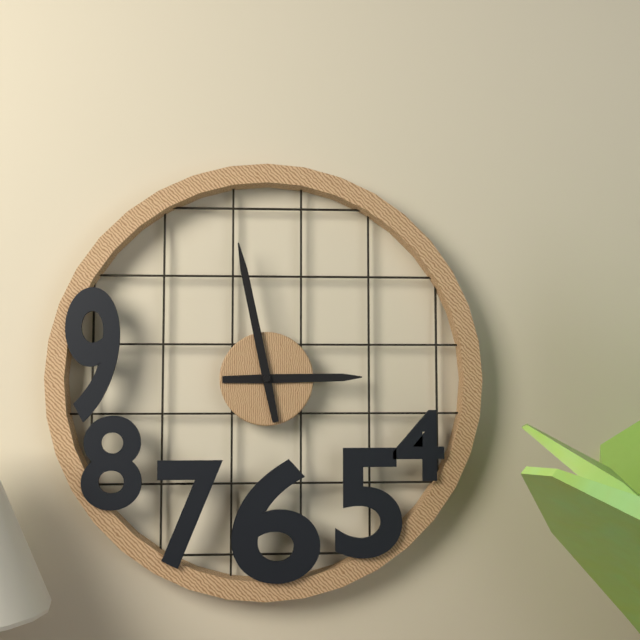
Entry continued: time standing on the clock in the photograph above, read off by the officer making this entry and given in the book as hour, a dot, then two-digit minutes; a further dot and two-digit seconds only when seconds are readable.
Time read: 2.58
